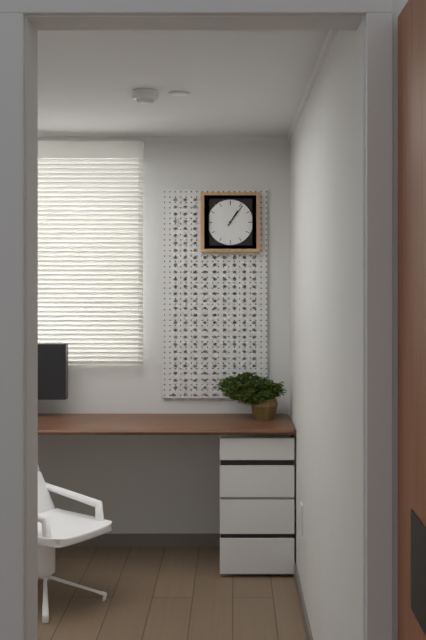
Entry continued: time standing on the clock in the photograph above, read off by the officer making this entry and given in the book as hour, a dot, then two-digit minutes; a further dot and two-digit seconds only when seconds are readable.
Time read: 1.06
